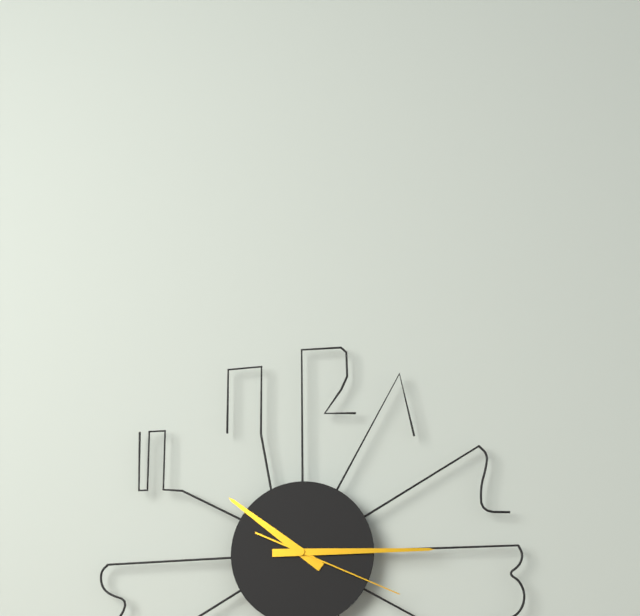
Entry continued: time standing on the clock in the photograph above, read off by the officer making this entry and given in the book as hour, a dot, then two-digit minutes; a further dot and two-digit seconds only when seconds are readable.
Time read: 10.15.19
